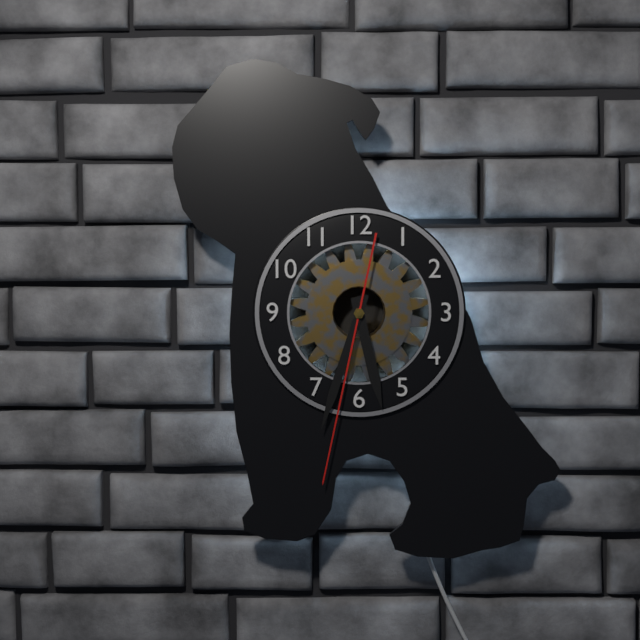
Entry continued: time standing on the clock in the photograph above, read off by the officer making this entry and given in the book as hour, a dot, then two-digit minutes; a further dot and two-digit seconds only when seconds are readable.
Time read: 5.33.32
